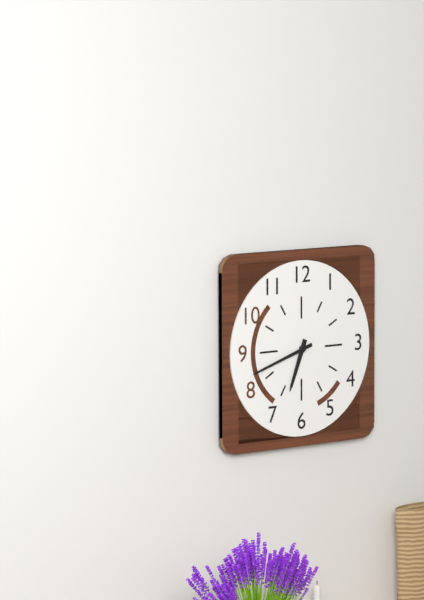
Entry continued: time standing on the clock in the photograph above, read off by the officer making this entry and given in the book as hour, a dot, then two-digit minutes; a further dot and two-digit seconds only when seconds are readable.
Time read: 6.42
